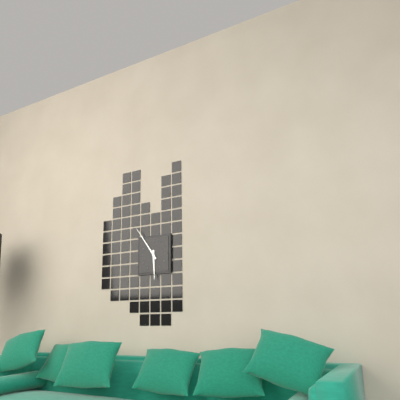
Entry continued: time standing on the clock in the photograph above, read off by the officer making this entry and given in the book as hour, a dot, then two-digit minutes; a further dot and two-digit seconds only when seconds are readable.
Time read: 5.54
